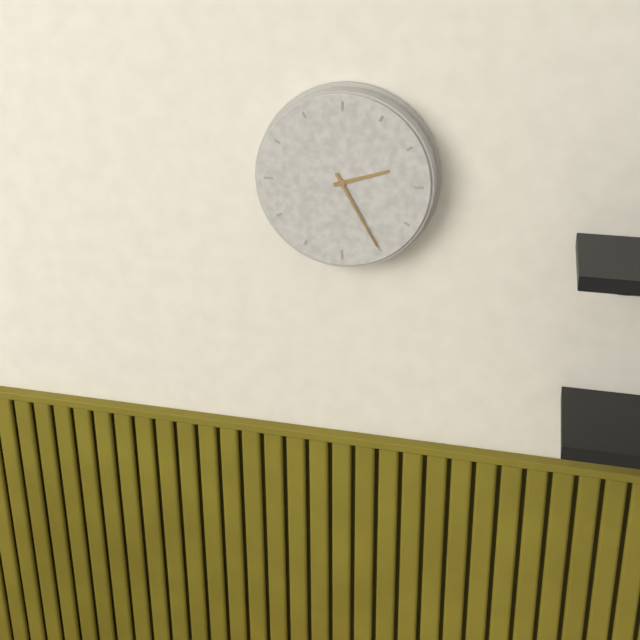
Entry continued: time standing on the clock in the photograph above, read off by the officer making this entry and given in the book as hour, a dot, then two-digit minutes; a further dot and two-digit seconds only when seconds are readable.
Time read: 2.25
